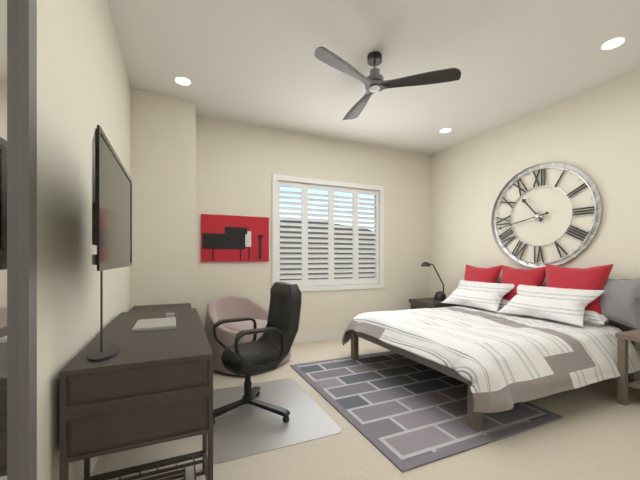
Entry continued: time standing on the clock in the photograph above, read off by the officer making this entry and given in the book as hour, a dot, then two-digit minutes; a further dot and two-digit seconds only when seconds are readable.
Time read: 10.43
